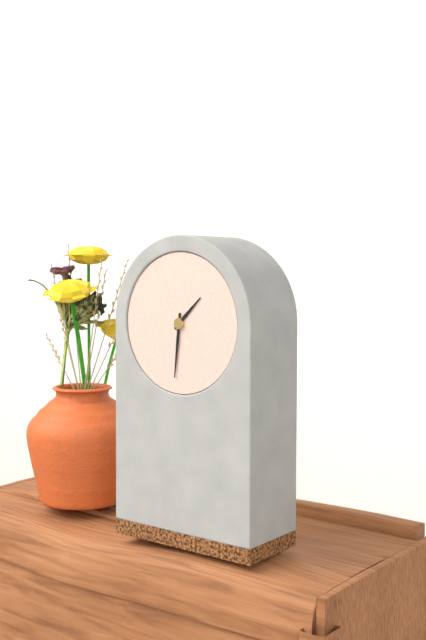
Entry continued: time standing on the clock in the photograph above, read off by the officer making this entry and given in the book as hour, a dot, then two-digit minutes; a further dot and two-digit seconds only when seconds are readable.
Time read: 1.31
